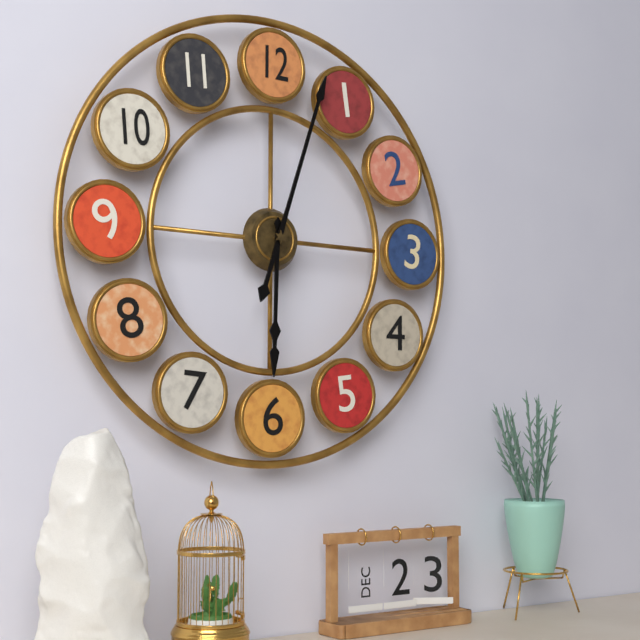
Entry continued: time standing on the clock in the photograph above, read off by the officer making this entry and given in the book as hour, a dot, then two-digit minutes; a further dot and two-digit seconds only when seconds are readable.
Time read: 6.03
